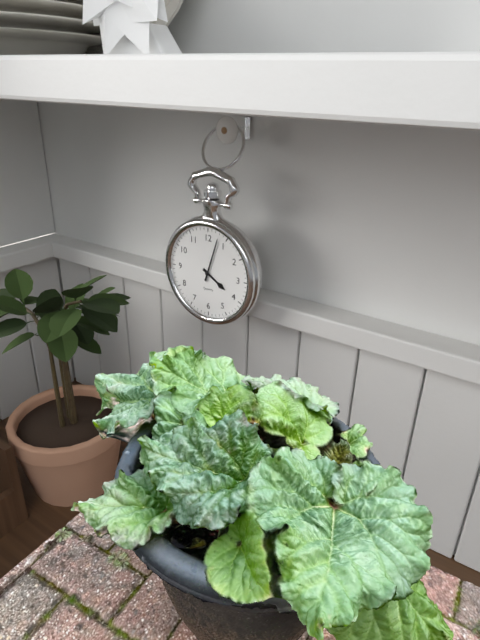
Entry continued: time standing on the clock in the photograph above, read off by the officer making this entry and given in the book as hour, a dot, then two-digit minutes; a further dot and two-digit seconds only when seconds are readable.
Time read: 4.03
